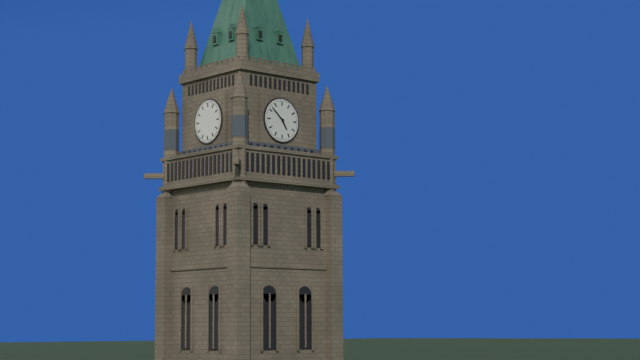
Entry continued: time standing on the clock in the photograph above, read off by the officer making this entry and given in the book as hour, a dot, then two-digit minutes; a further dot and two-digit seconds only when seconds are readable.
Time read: 4.52
